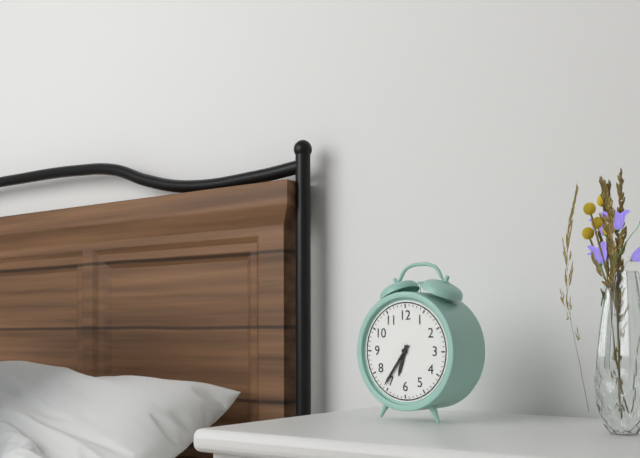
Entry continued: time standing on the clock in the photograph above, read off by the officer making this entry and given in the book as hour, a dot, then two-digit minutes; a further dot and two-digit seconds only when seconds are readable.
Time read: 6.36
